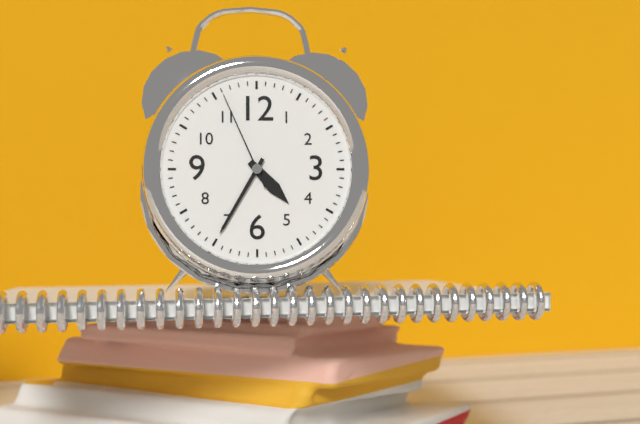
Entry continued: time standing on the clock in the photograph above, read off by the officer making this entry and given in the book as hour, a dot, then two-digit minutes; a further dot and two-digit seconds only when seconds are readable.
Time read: 4.35.56
